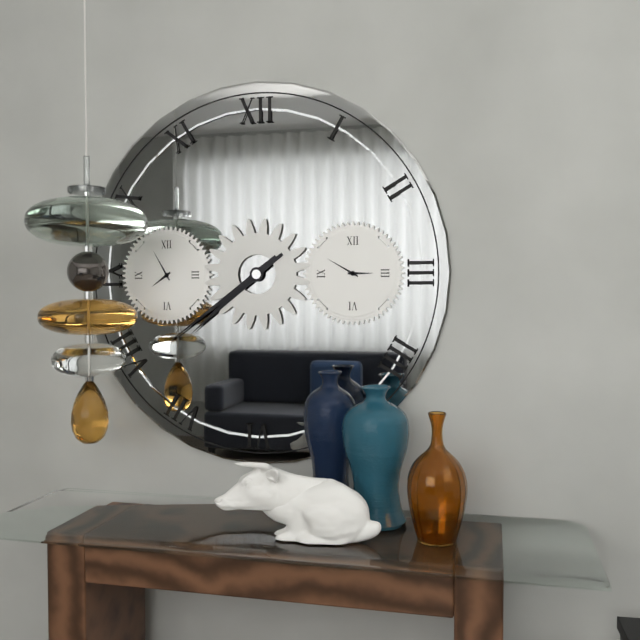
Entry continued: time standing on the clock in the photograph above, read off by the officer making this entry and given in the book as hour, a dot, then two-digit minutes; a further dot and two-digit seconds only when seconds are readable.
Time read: 7.39
